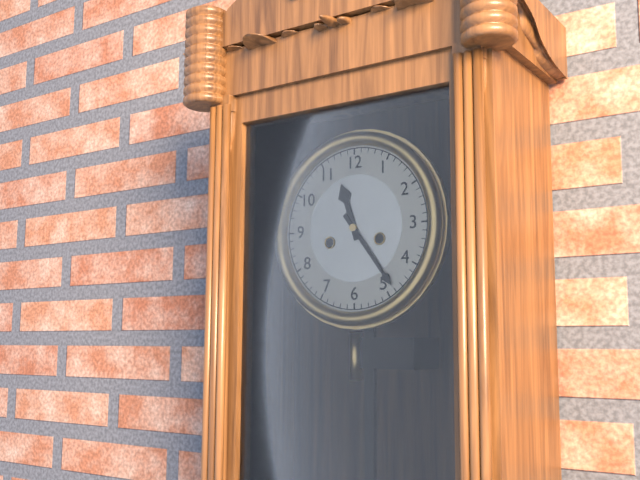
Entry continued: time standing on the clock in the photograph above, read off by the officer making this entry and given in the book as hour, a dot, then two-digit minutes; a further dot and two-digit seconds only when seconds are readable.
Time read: 11.24
